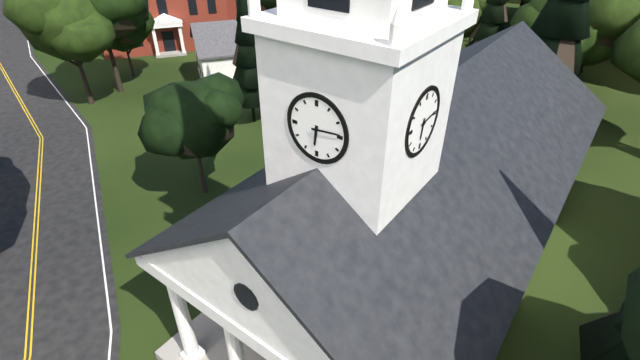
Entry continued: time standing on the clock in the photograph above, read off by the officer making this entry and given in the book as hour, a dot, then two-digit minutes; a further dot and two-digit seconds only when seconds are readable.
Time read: 6.14
